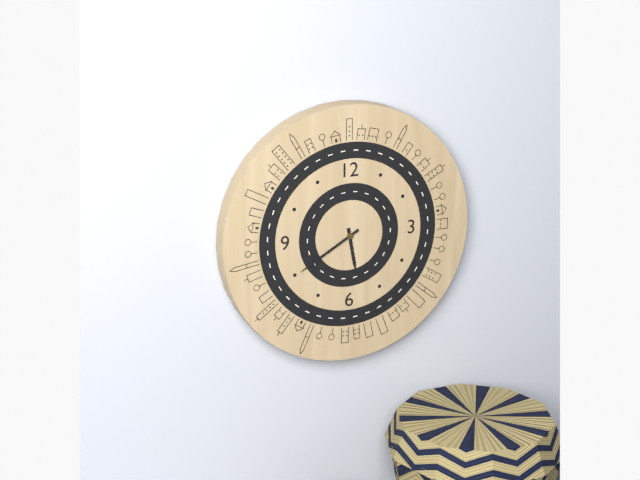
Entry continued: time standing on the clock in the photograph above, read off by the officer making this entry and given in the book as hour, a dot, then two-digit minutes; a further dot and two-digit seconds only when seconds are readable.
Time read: 5.40
